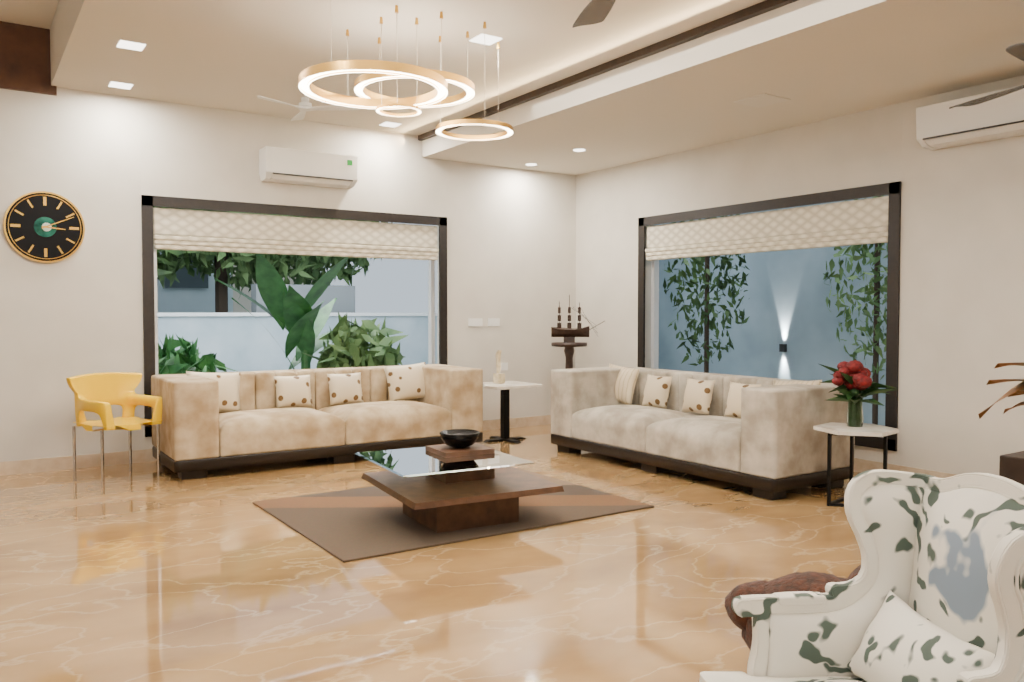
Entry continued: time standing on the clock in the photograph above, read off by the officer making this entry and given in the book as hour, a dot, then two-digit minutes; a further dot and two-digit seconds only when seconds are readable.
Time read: 3.11
